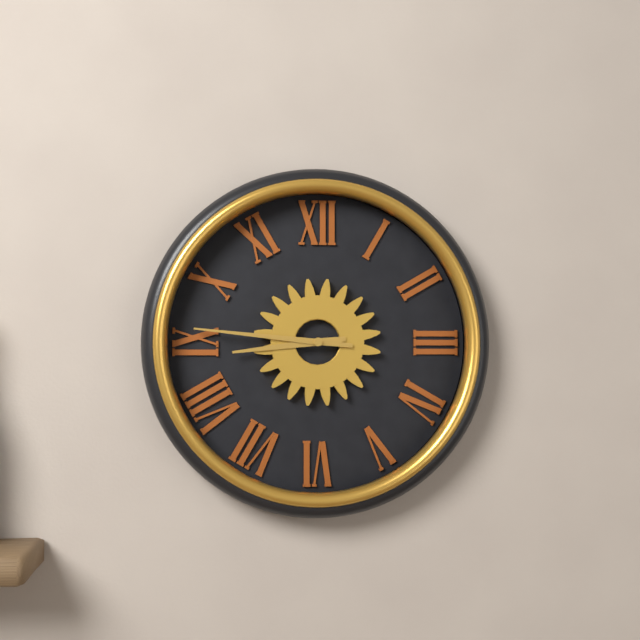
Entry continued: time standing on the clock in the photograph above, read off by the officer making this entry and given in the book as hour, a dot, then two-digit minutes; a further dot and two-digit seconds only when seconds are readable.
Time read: 8.46
